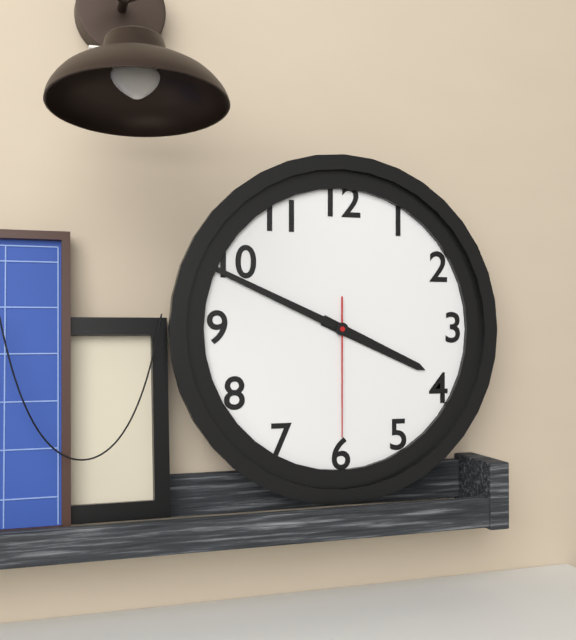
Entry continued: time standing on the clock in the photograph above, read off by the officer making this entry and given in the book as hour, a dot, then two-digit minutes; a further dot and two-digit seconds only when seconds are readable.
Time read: 3.49.30
